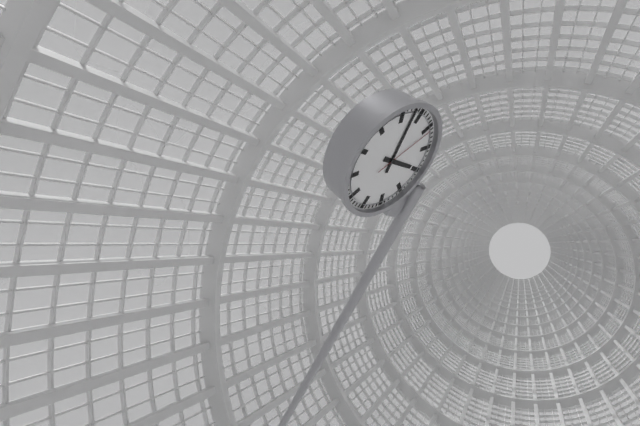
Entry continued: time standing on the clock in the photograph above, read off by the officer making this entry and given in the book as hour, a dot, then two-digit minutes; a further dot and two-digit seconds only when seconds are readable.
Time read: 2.58.06
